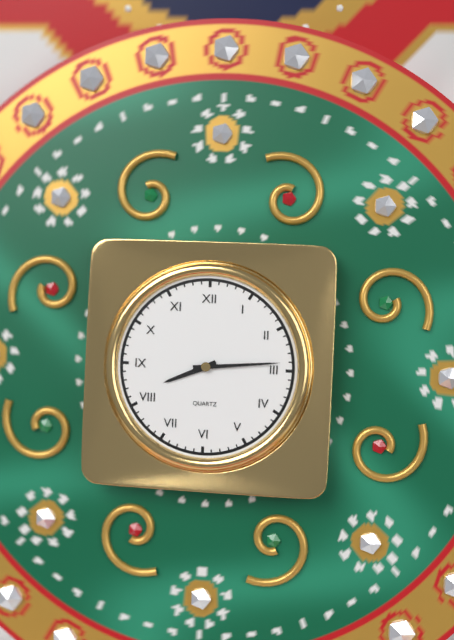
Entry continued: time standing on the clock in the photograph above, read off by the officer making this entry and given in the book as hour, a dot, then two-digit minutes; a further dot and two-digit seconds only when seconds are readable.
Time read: 8.14
